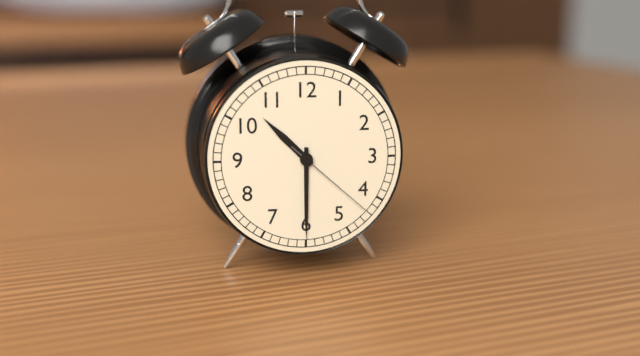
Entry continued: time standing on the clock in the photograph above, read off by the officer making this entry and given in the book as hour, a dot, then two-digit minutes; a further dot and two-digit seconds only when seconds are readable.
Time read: 10.30.22
